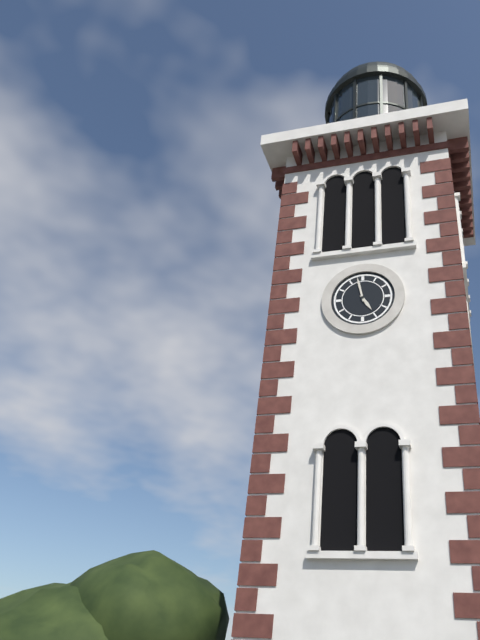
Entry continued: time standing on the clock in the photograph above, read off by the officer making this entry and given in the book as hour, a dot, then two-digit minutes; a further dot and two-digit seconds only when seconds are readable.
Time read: 4.58
